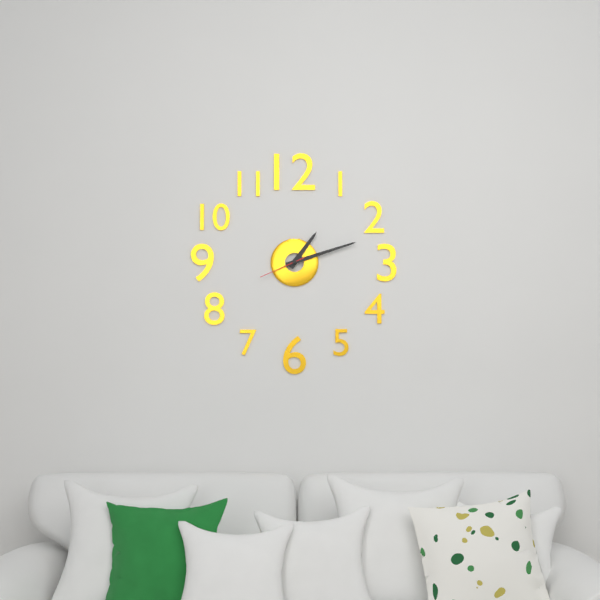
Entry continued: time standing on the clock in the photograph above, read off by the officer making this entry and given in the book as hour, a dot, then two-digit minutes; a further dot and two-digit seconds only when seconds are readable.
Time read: 1.12
